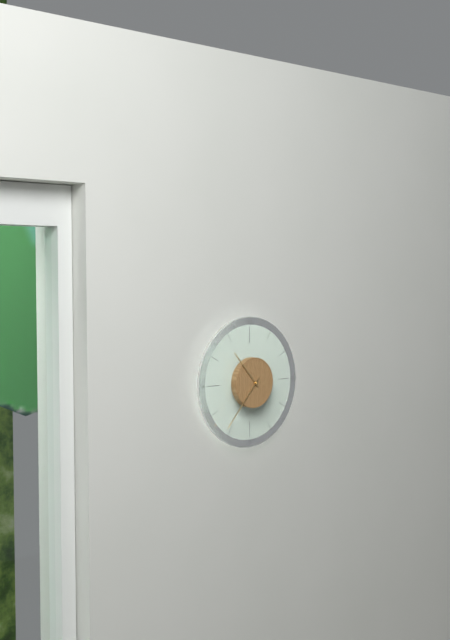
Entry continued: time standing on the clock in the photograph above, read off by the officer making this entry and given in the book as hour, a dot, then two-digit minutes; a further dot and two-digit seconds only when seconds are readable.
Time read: 10.37
